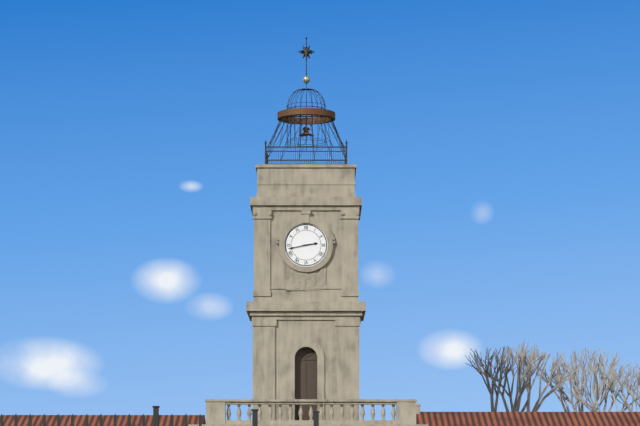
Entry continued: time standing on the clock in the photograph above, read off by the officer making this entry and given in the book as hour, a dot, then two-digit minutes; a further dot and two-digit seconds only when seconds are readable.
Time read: 2.43
